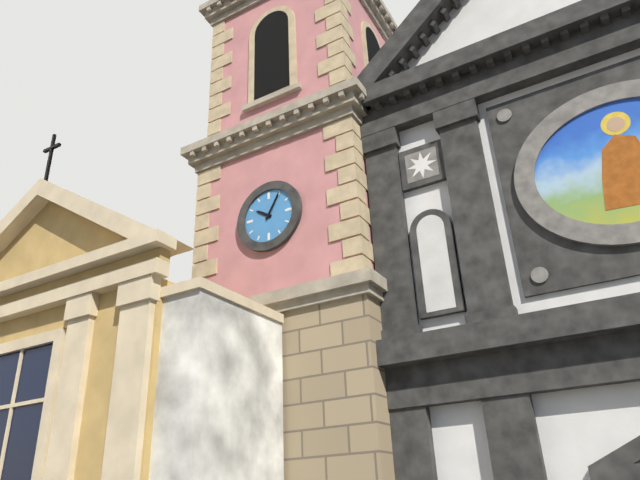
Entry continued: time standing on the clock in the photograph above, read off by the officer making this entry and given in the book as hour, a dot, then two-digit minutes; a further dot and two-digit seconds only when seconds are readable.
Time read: 10.05
